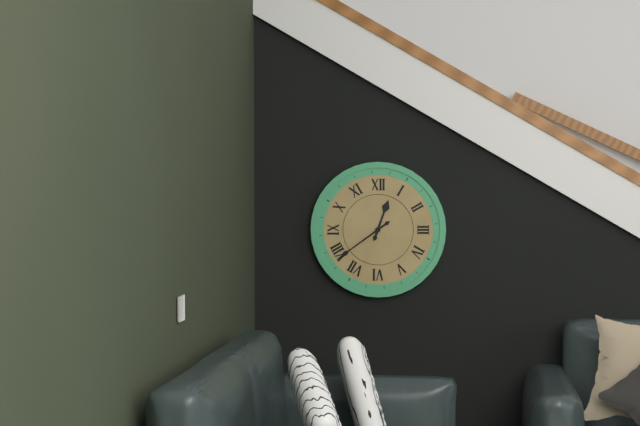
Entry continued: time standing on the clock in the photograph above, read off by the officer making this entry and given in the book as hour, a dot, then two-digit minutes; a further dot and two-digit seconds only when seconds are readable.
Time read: 12.39
